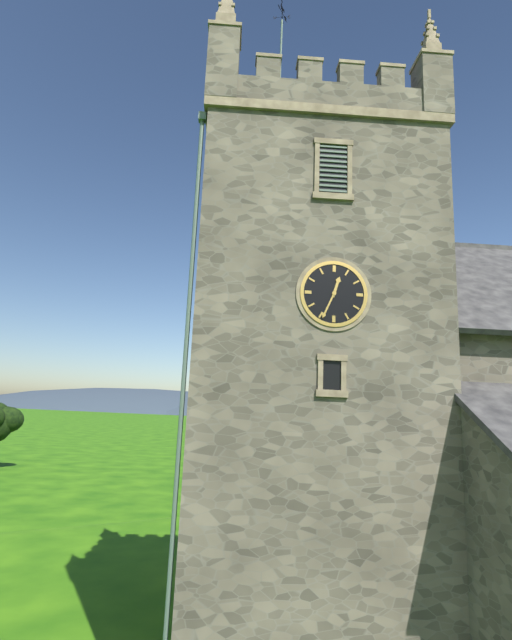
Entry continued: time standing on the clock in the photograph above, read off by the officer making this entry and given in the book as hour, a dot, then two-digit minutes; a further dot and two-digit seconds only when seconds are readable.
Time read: 12.34
